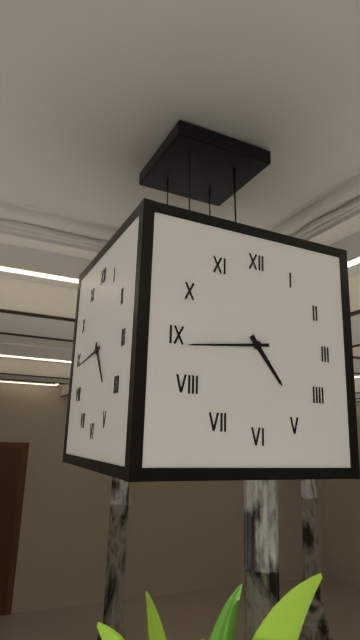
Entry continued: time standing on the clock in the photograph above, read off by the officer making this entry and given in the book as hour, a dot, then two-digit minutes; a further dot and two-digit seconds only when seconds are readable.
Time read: 4.44
